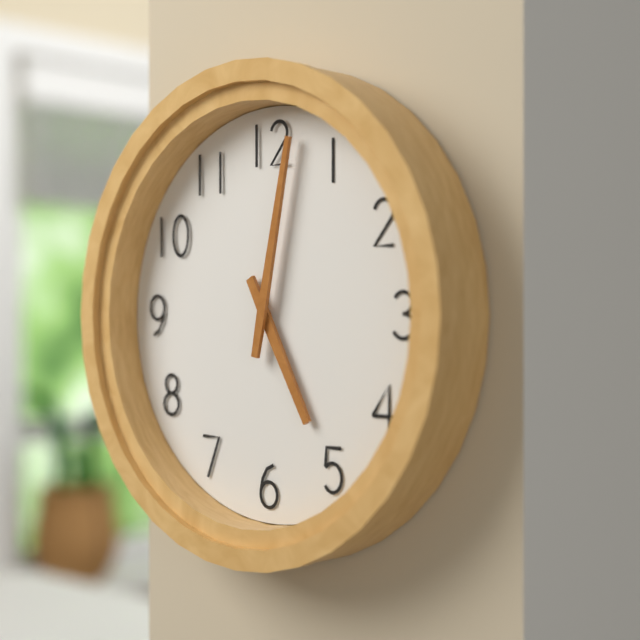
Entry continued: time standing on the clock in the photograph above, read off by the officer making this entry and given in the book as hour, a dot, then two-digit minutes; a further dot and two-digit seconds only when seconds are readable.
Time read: 5.02
